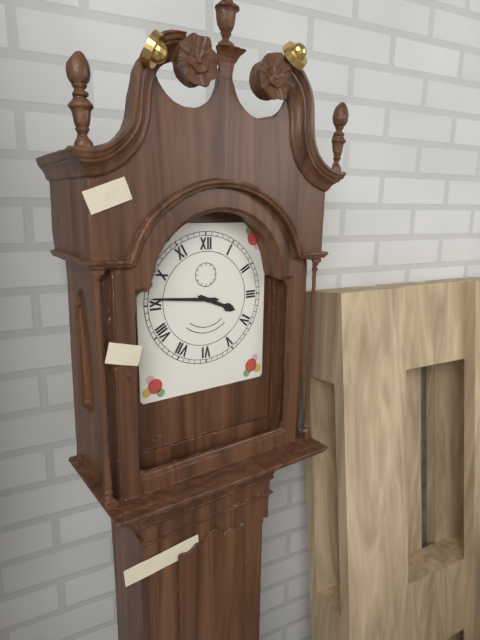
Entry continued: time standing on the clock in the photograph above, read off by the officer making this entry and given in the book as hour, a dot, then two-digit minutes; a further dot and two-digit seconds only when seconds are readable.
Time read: 3.46
